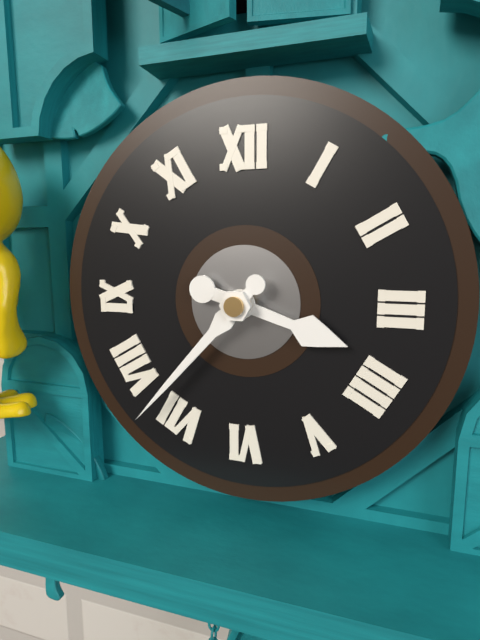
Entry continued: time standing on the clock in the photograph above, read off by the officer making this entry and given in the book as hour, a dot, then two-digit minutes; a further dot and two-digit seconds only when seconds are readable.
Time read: 3.37
